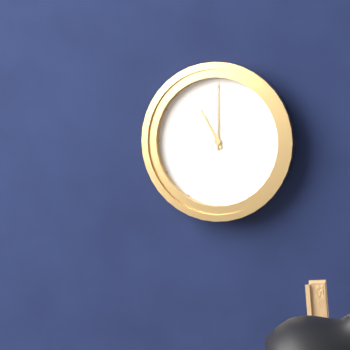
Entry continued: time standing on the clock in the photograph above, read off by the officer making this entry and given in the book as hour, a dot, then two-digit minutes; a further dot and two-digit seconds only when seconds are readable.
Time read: 11.00
